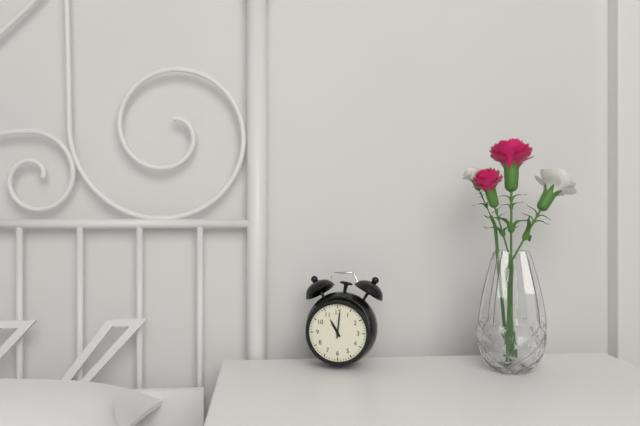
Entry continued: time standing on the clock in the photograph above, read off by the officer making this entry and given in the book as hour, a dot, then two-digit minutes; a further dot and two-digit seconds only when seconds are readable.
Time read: 11.01
